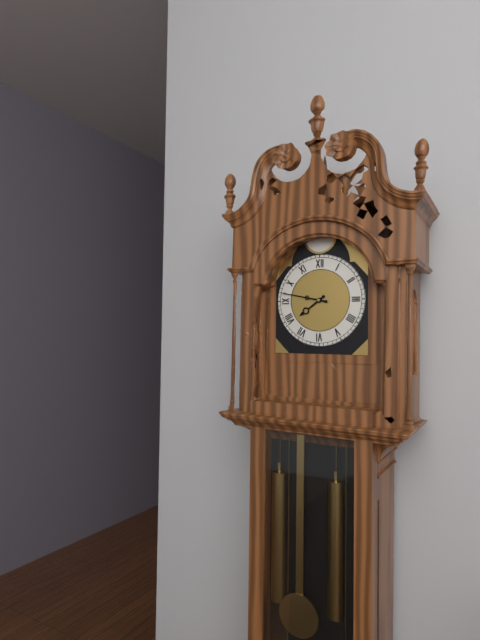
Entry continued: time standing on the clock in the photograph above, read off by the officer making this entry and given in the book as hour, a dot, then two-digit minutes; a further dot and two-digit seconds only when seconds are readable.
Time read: 7.47
